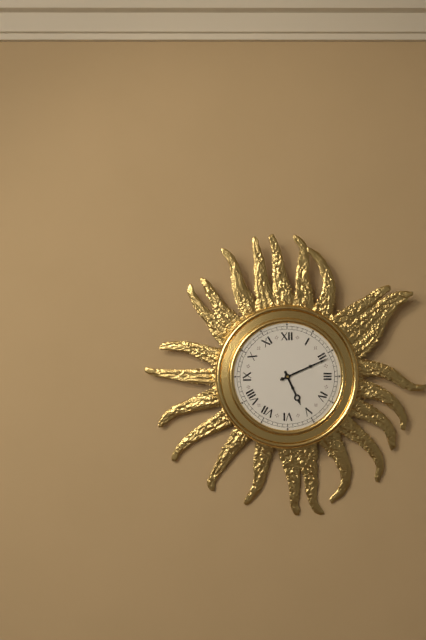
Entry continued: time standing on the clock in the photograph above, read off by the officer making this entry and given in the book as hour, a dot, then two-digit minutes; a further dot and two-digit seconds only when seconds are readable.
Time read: 5.11
